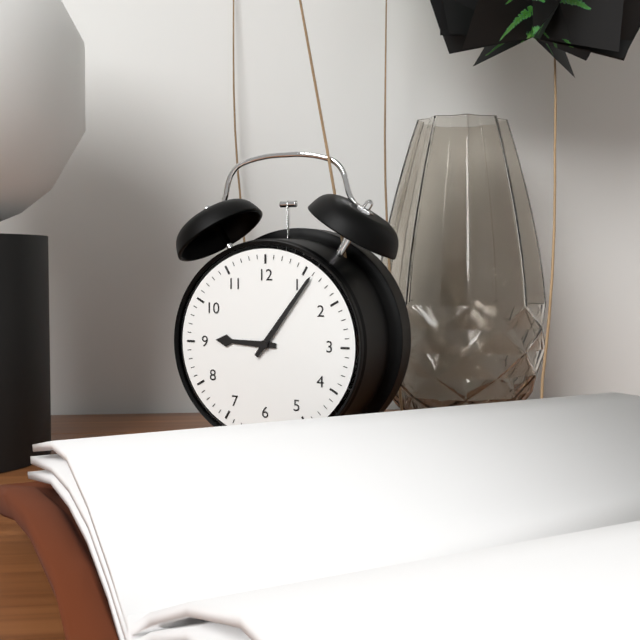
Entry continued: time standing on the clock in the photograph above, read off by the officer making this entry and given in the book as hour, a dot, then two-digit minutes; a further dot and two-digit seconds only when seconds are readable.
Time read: 9.06
